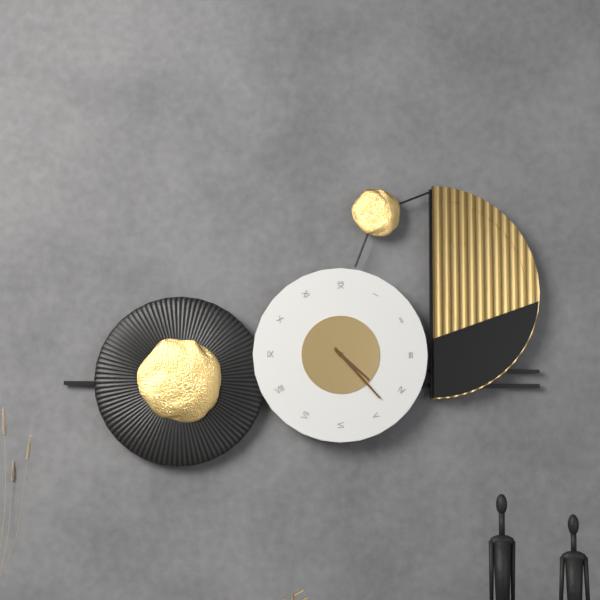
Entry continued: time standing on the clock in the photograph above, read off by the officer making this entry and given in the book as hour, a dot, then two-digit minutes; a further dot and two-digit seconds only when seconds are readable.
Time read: 4.23
